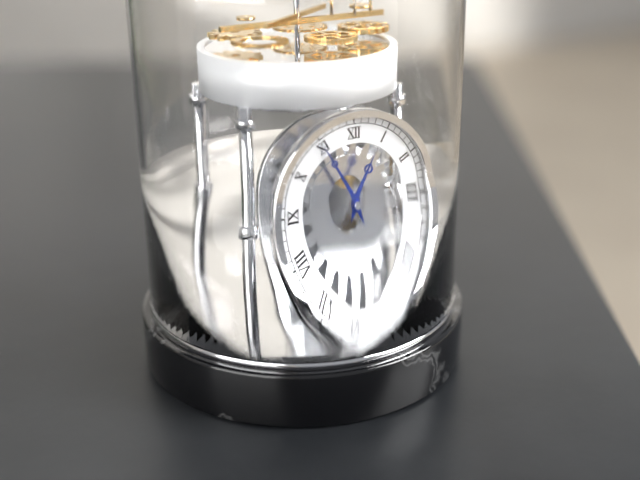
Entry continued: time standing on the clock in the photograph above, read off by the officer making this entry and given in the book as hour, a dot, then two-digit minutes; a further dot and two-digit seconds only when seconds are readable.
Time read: 12.55
